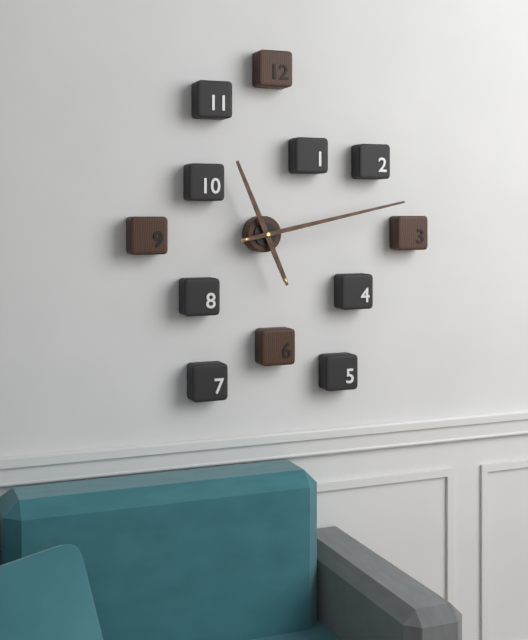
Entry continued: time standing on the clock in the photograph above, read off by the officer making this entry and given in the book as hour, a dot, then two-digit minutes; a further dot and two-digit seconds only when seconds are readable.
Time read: 11.13
